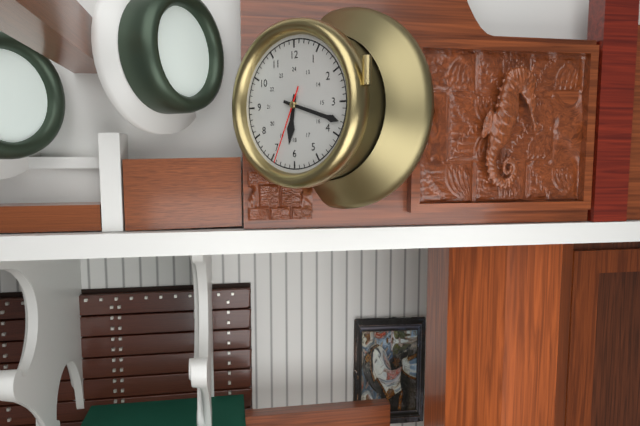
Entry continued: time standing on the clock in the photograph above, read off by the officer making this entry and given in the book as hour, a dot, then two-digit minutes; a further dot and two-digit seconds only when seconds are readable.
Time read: 6.18.34
